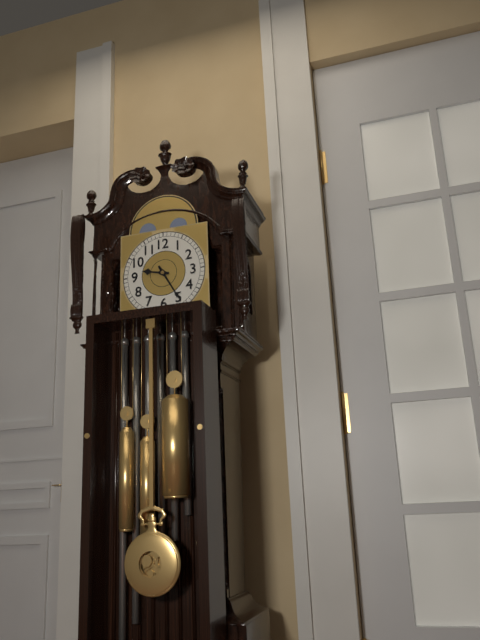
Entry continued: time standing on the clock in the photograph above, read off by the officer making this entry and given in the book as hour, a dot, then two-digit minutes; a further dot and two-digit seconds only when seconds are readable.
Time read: 9.25
